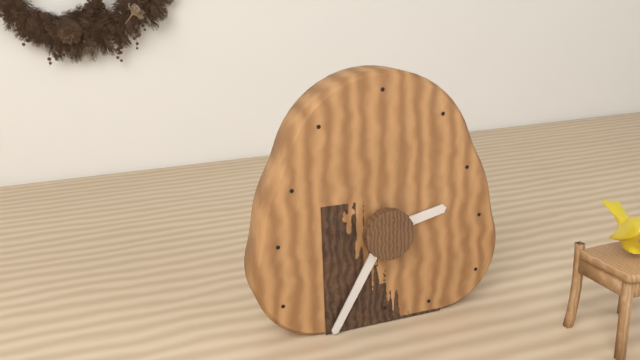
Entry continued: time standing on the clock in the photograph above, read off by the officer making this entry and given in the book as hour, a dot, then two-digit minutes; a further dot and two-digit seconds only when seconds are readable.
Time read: 2.35
